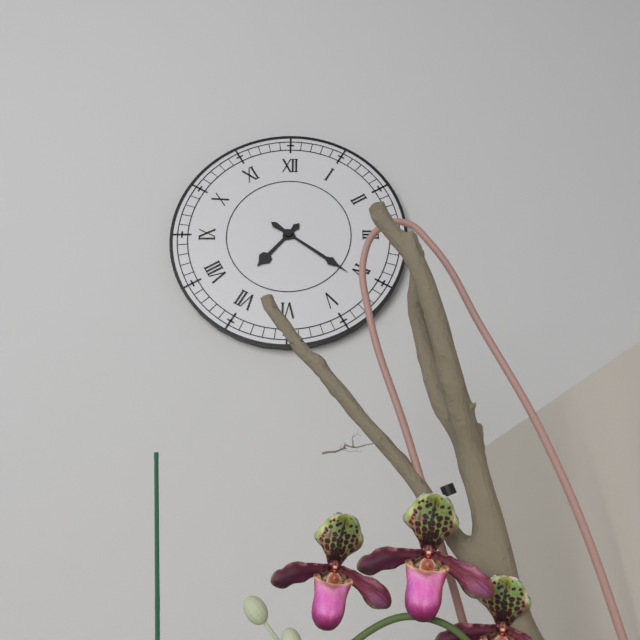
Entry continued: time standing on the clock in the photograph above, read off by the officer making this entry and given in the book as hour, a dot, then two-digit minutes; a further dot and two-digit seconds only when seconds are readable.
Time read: 7.21
